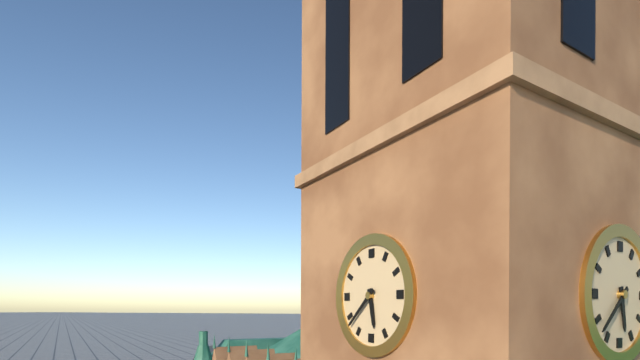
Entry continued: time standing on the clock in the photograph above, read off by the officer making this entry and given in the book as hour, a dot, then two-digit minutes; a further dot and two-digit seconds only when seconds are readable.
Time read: 5.38
